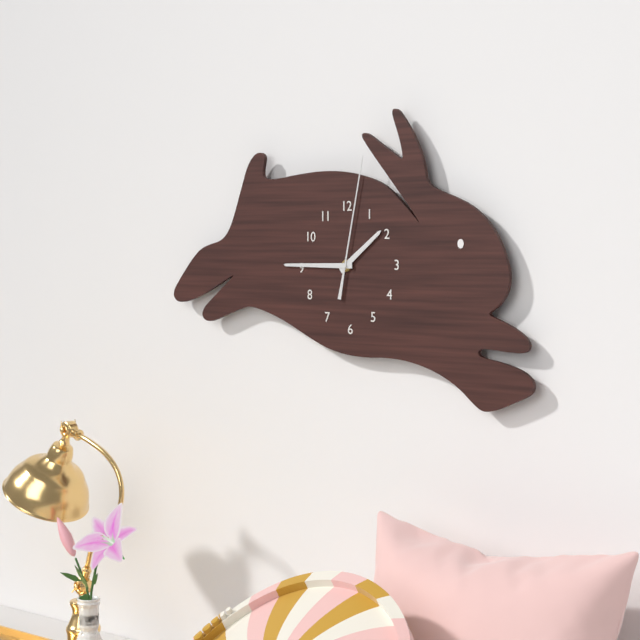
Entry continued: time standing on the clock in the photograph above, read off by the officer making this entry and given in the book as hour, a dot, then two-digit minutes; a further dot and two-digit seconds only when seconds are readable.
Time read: 1.45.02
